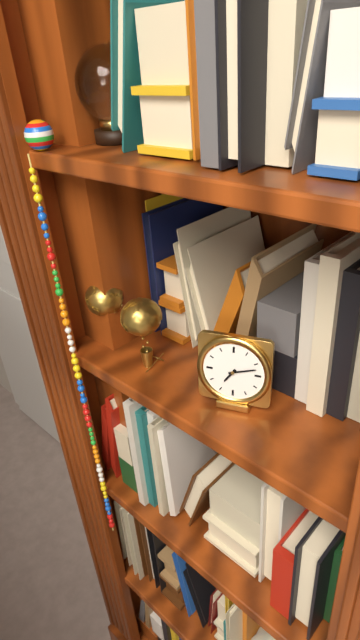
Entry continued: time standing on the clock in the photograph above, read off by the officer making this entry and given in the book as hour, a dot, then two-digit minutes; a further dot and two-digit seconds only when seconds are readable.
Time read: 7.12
